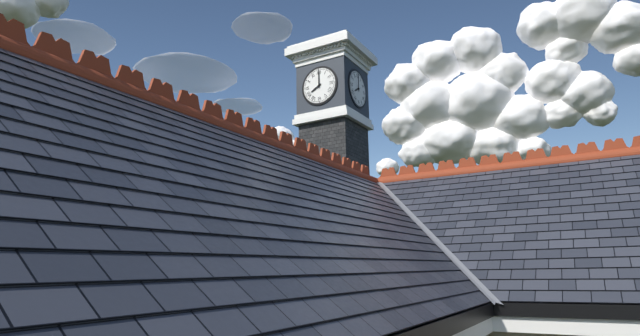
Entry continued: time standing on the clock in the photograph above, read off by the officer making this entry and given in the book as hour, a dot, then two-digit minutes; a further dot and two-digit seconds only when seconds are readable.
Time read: 8.00
